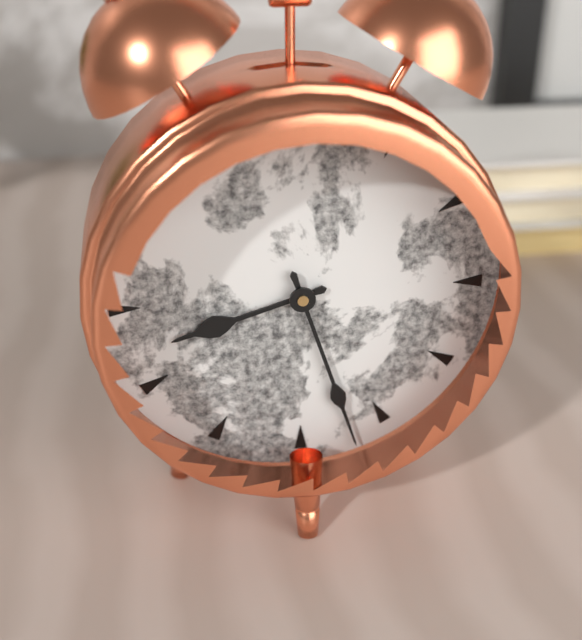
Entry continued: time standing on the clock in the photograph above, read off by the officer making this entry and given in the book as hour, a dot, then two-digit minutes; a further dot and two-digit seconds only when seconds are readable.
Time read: 8.27
